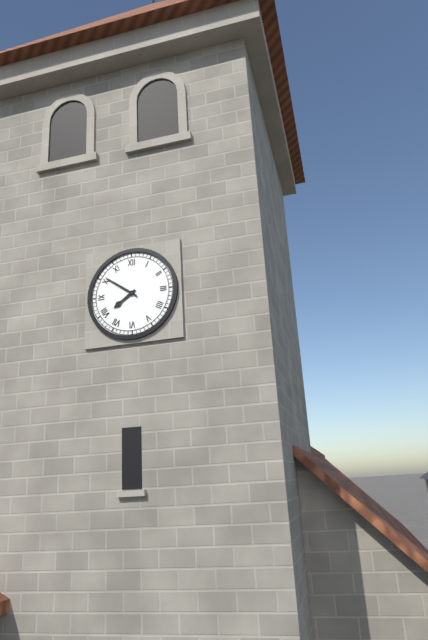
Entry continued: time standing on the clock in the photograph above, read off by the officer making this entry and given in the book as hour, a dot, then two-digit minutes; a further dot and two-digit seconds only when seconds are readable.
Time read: 7.51
